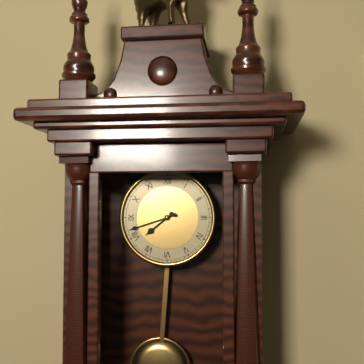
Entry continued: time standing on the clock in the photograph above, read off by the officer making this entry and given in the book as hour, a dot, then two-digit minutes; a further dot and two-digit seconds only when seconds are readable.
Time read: 7.42
